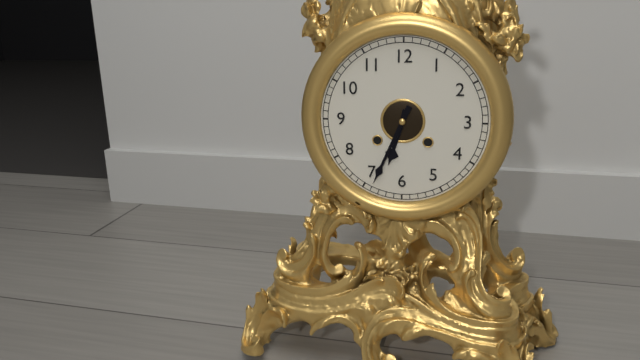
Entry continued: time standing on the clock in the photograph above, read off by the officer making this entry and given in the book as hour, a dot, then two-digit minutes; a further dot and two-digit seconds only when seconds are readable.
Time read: 6.34
